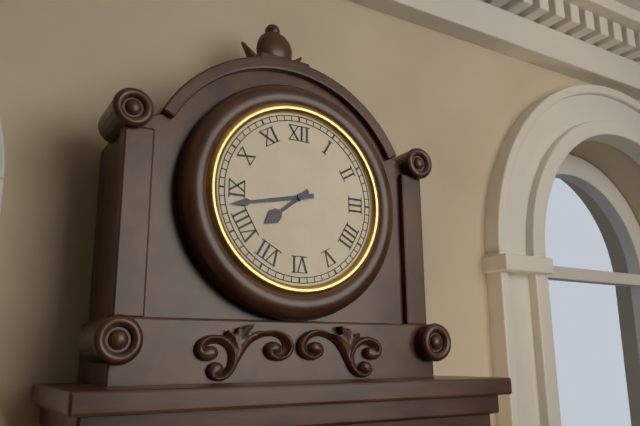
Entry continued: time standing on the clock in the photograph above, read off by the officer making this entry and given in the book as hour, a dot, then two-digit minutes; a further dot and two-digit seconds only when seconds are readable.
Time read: 7.43
